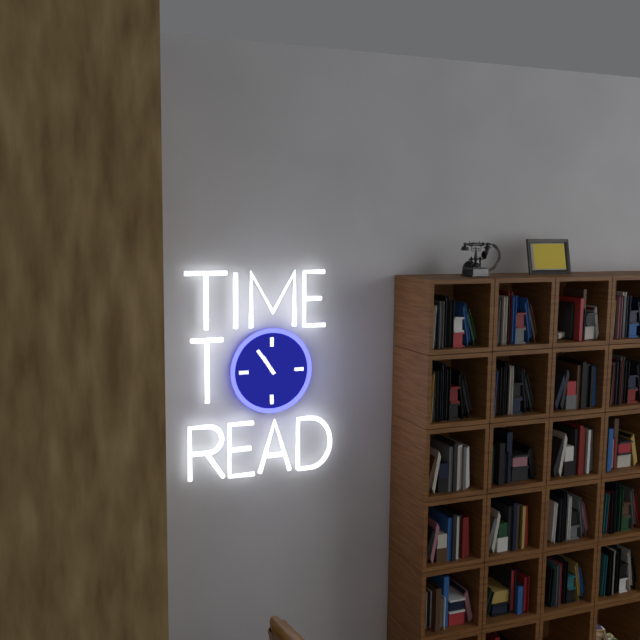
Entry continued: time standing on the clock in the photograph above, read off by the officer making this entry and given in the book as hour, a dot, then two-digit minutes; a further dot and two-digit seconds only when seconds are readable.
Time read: 10.54
